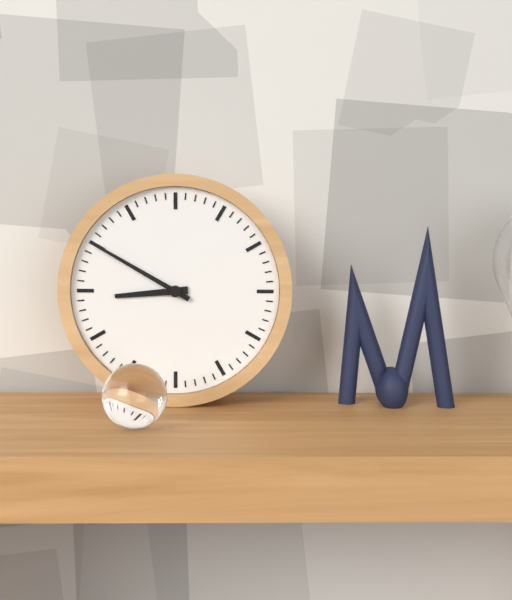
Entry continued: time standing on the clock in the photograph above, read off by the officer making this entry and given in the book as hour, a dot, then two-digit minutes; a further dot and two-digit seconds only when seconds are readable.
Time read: 8.50
